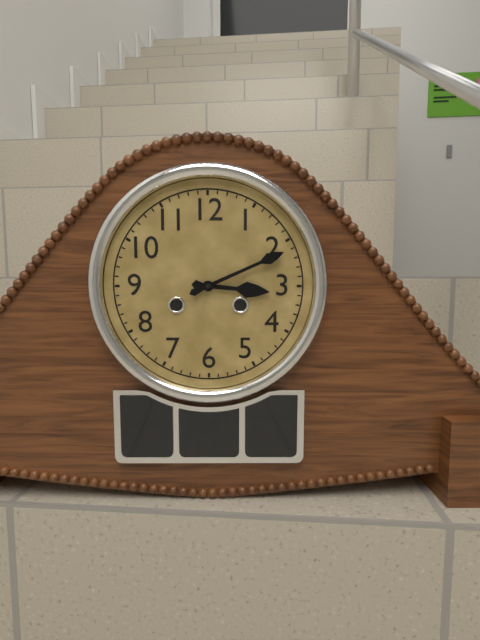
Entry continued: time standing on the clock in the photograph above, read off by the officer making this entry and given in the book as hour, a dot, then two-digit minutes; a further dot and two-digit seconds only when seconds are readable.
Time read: 3.11
